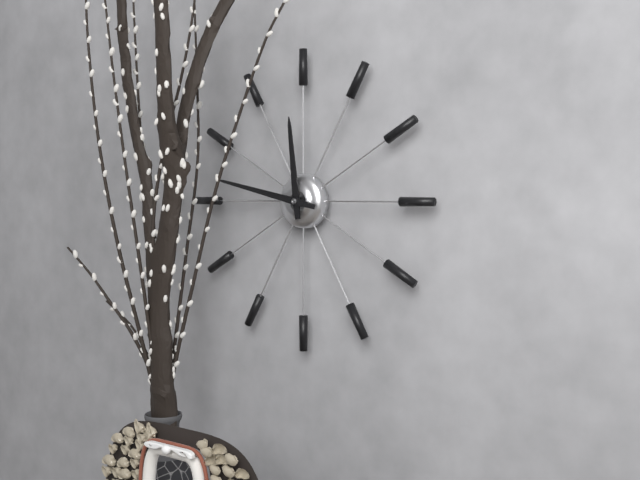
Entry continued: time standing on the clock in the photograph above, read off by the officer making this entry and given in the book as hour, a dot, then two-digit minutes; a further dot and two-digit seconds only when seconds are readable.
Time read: 11.47
